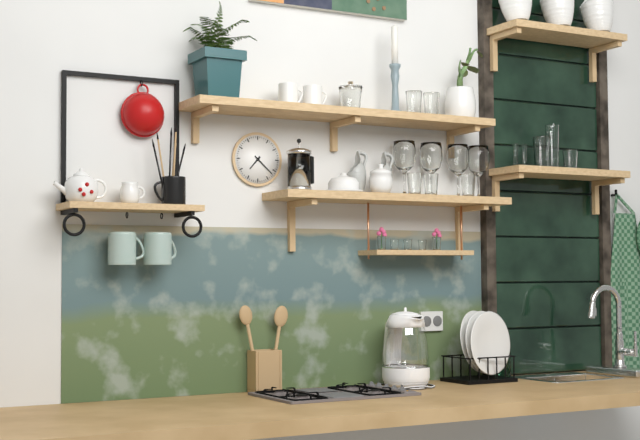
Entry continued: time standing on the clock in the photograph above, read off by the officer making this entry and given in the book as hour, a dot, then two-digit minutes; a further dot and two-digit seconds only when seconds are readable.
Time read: 7.22
